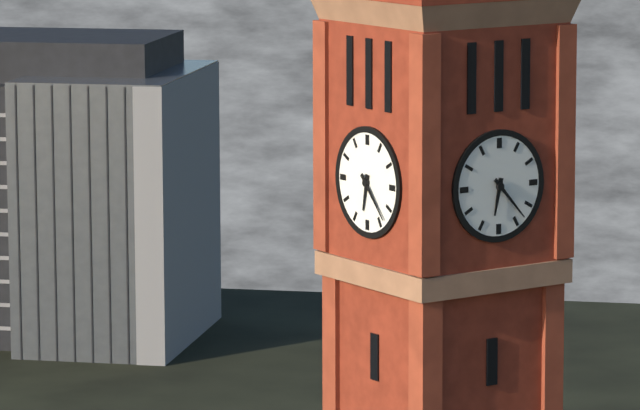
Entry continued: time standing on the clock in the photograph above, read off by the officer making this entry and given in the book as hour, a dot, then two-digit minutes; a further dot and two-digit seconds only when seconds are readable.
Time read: 6.23
